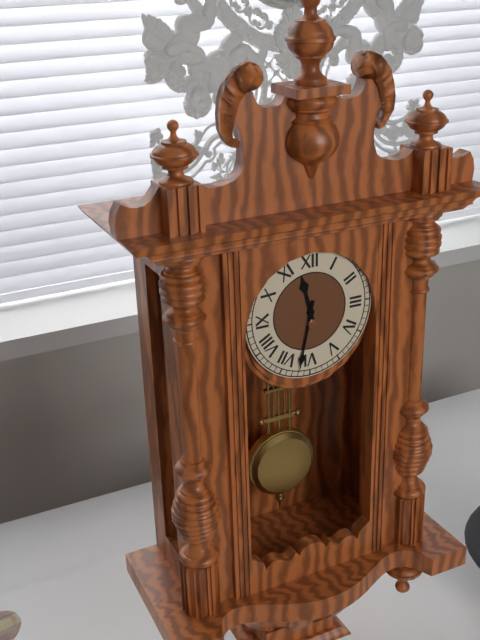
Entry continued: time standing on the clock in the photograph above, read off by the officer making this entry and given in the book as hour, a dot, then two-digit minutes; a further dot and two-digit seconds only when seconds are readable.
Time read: 11.32
